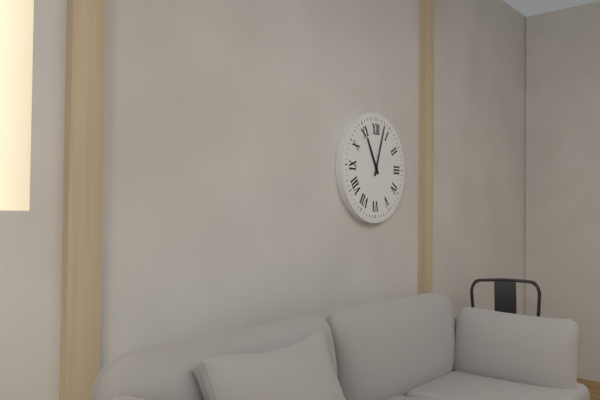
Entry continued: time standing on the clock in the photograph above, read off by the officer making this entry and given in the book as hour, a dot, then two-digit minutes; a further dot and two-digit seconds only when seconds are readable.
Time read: 11.03
